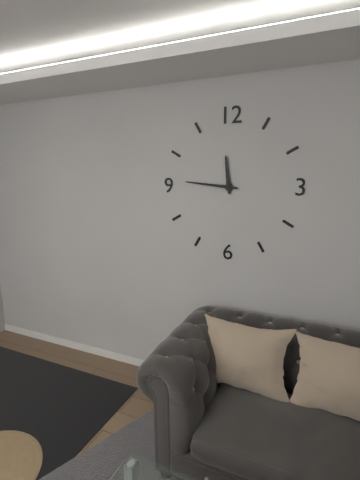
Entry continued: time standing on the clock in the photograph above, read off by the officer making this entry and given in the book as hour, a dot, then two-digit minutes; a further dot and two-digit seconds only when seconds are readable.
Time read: 11.46
